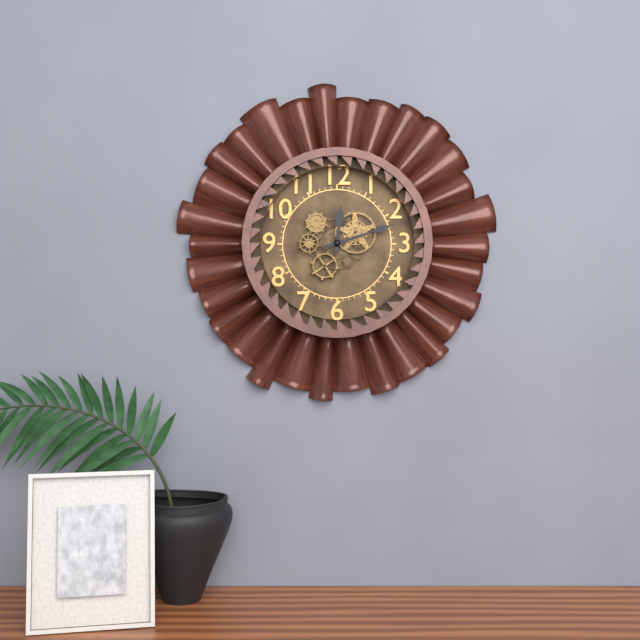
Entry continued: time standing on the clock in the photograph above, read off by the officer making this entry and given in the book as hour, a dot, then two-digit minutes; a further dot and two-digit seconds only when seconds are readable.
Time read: 12.12
